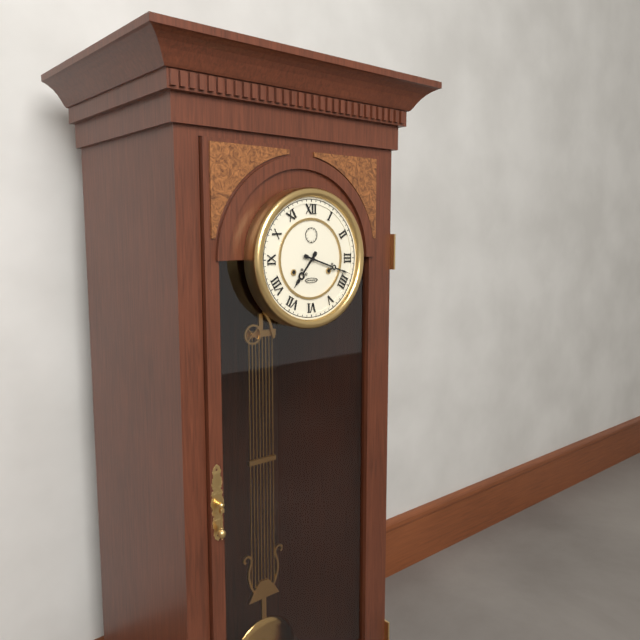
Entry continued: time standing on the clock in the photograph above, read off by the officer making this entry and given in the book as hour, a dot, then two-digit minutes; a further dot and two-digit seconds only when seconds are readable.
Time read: 7.18
